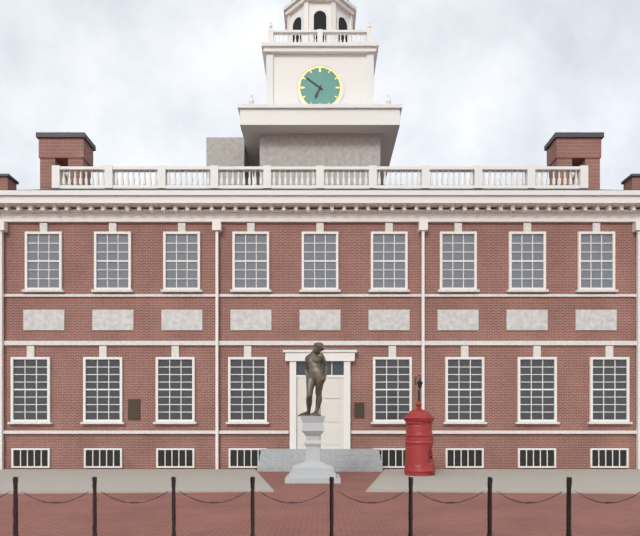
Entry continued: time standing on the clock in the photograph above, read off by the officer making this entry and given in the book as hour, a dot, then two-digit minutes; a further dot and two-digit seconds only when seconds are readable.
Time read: 6.51
